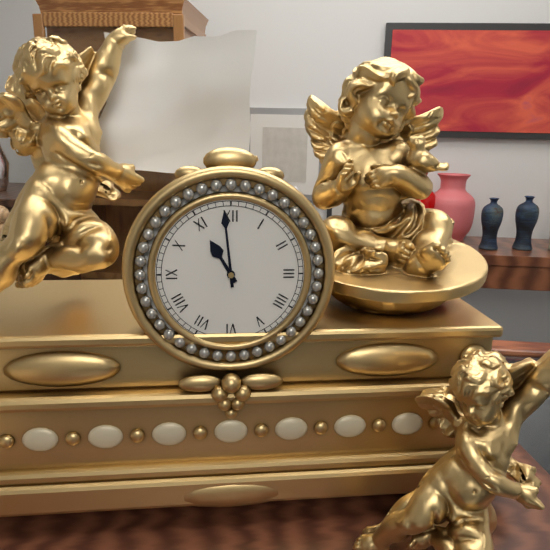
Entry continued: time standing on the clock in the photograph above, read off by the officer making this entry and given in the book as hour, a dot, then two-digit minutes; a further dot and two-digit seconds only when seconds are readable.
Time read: 10.59
